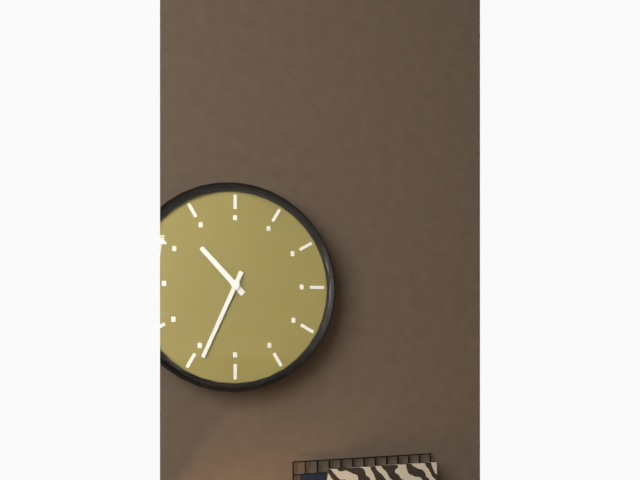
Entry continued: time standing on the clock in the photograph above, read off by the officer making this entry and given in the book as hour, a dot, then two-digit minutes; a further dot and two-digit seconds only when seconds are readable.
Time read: 10.34
